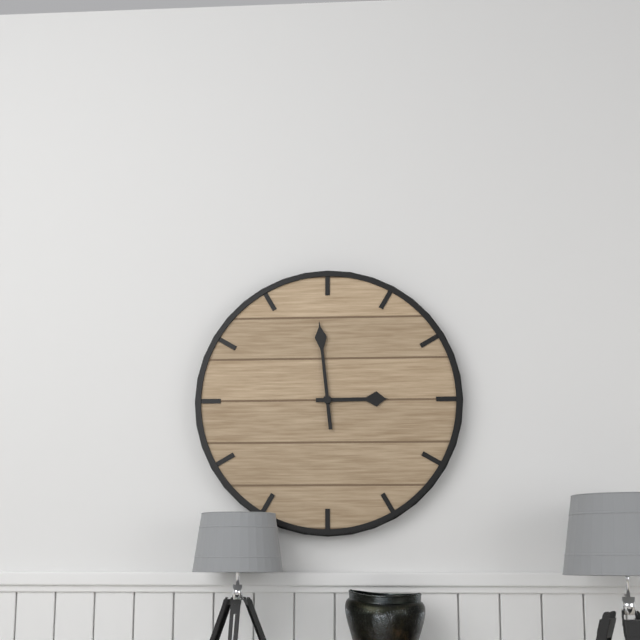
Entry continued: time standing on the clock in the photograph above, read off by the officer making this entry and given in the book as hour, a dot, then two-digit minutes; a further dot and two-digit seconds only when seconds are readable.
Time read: 2.59
